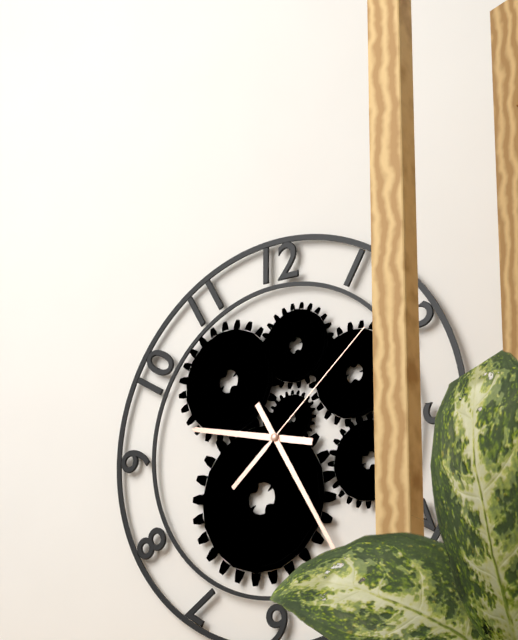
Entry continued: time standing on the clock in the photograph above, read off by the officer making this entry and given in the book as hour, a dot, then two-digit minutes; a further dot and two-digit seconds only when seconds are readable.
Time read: 9.25.08
